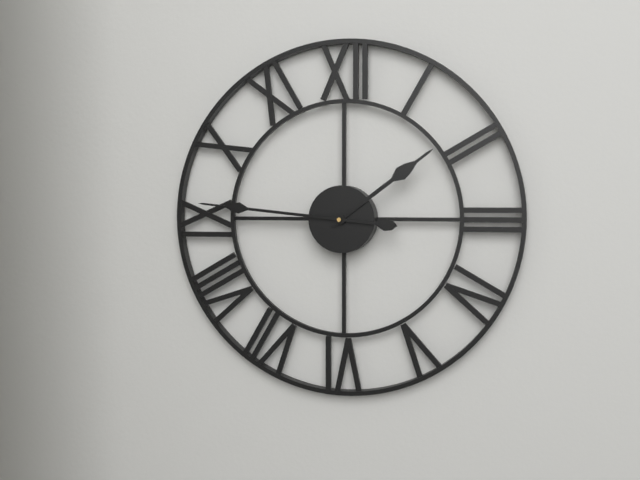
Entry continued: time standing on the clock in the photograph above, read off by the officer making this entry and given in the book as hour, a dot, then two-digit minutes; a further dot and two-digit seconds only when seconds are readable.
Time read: 1.46
